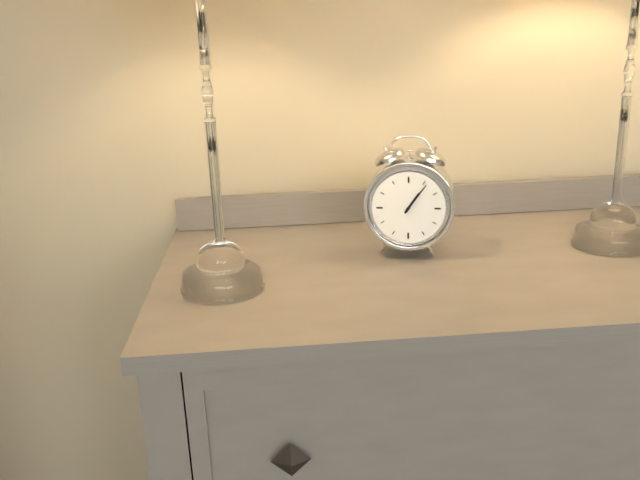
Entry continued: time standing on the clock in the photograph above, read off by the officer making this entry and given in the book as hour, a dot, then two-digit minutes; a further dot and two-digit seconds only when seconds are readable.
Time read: 1.06
